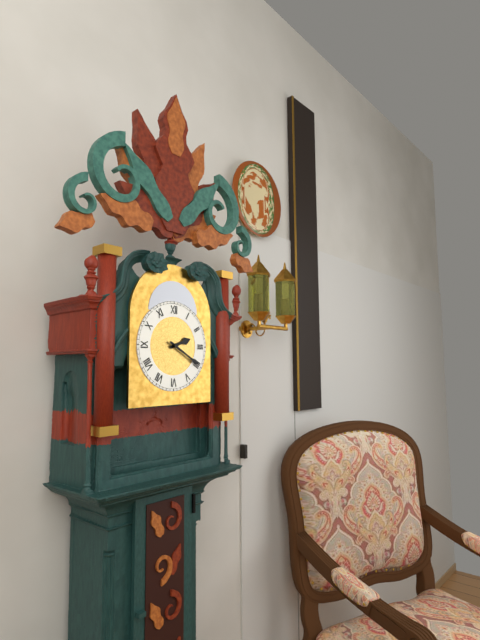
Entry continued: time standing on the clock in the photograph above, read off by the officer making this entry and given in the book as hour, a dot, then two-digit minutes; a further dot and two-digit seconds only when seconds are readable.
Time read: 2.20
